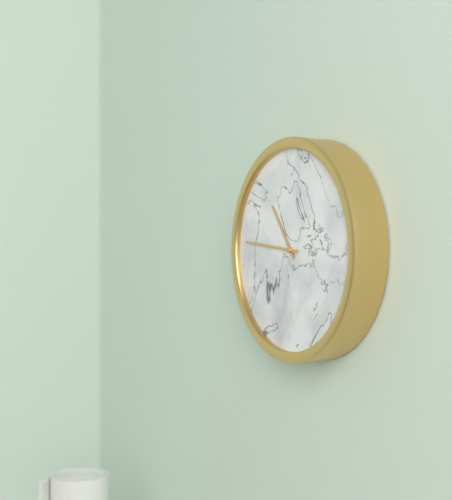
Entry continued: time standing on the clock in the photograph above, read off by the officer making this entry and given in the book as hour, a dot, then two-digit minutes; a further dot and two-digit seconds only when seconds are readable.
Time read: 10.46
